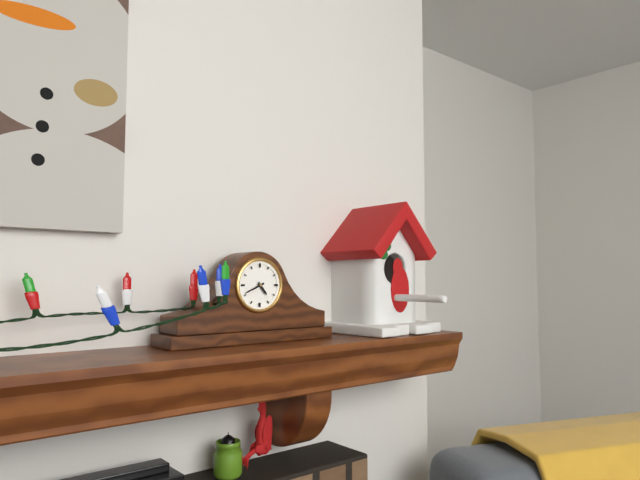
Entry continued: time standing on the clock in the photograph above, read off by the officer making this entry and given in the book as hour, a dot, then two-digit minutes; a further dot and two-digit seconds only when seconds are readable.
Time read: 4.41
